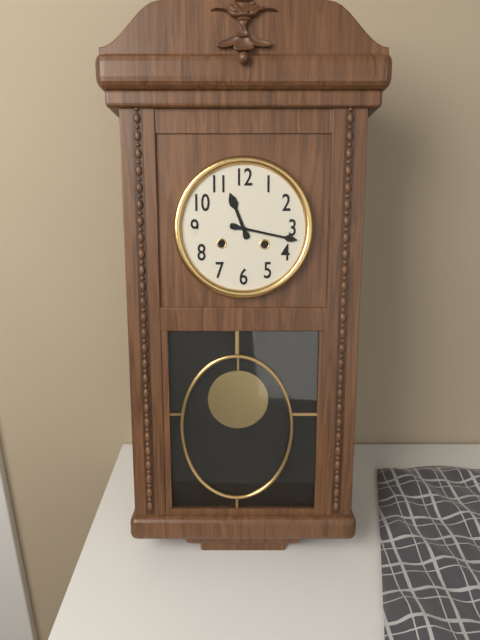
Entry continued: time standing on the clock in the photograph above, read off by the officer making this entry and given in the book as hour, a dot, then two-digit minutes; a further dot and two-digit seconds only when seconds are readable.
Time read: 11.17
